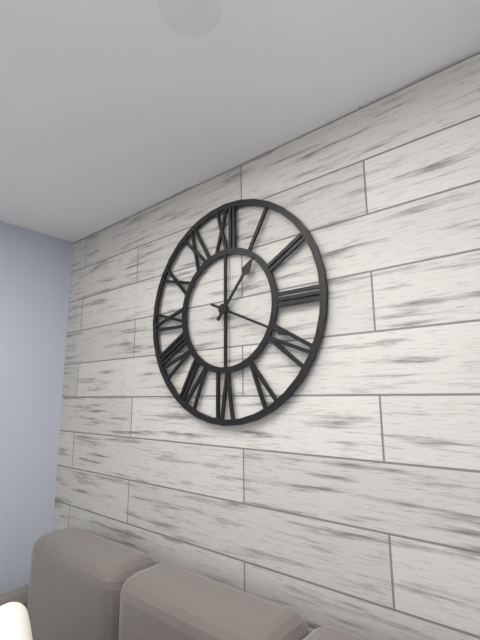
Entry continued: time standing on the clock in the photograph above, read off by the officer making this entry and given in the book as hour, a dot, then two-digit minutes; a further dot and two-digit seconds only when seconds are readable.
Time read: 1.19
